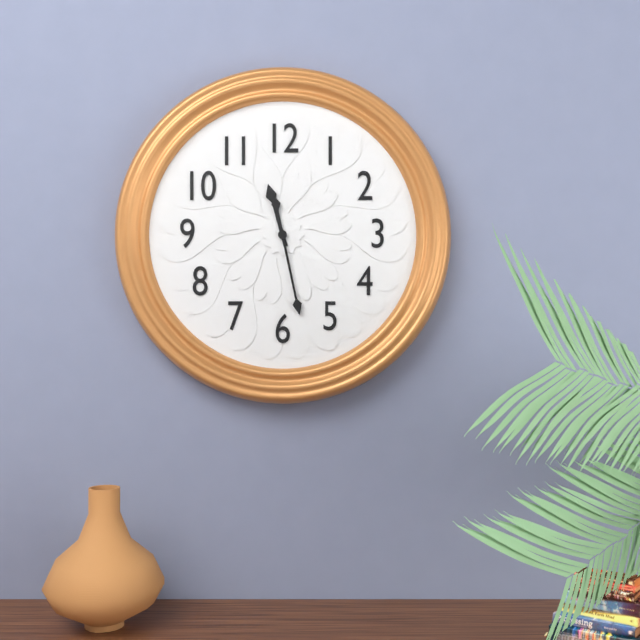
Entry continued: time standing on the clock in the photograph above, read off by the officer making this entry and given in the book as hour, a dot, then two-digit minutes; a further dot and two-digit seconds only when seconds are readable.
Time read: 11.28
